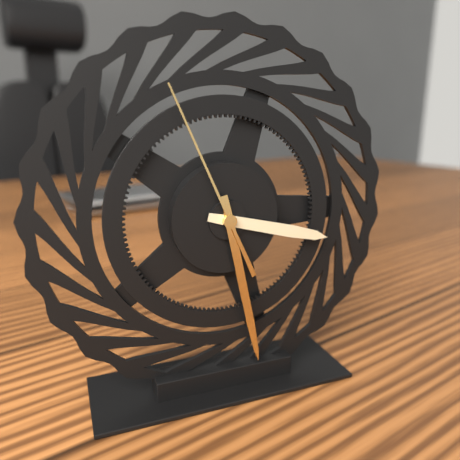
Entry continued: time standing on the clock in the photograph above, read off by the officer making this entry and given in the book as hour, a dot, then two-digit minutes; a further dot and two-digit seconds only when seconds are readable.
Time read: 3.28.56
